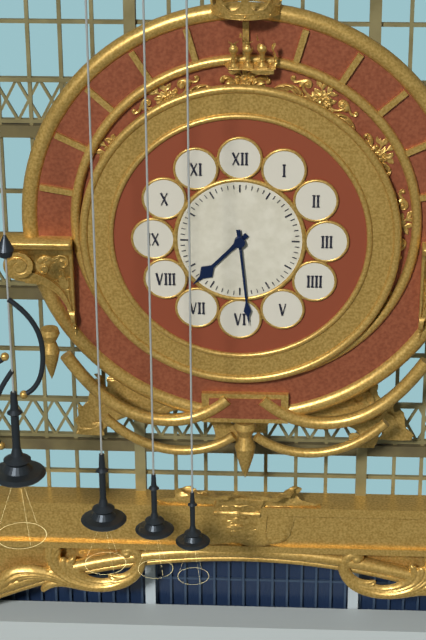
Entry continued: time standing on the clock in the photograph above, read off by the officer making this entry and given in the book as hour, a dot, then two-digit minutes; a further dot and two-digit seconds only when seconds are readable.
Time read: 7.29
